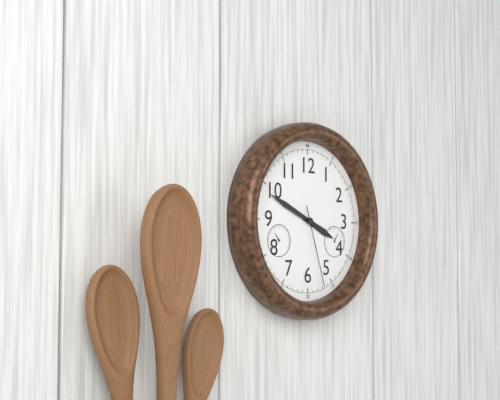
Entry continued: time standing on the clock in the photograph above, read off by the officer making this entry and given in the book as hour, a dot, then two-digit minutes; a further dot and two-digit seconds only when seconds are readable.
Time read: 3.49.27
